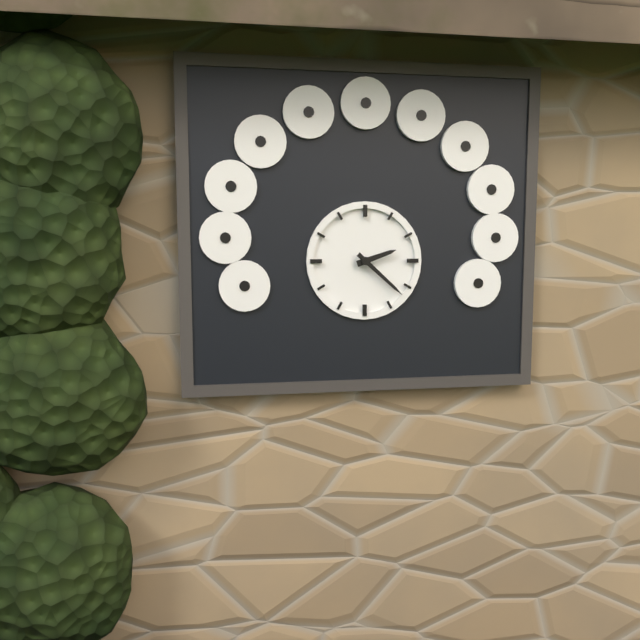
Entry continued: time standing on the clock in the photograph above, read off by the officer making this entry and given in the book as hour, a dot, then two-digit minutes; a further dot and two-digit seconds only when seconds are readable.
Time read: 2.22
